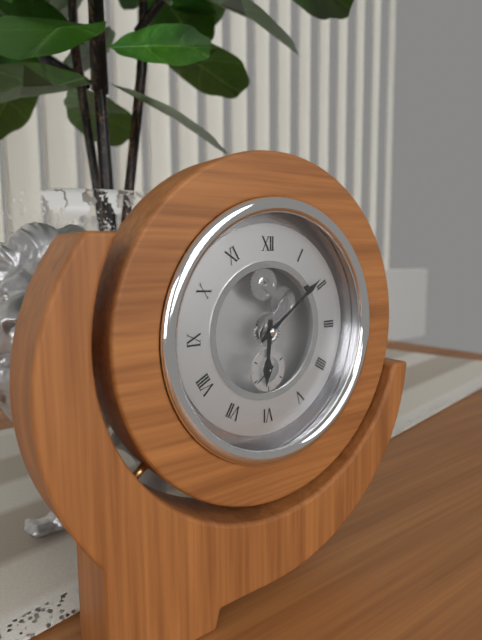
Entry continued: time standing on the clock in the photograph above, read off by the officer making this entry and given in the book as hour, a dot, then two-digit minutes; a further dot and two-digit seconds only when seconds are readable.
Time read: 6.09
